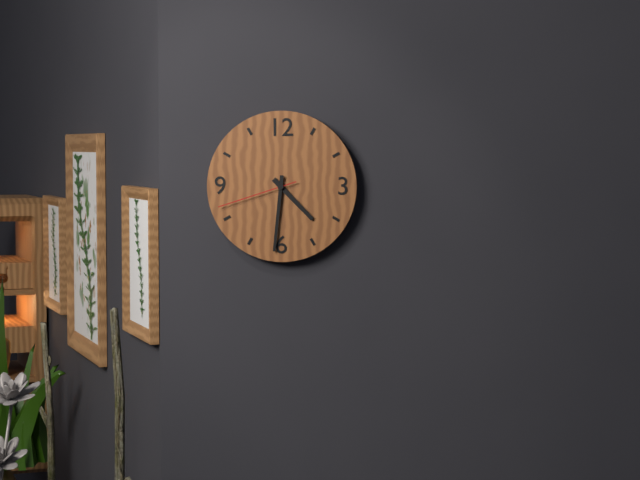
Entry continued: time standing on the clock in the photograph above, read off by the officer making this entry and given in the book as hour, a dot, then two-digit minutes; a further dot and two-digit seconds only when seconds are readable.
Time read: 4.31.42
